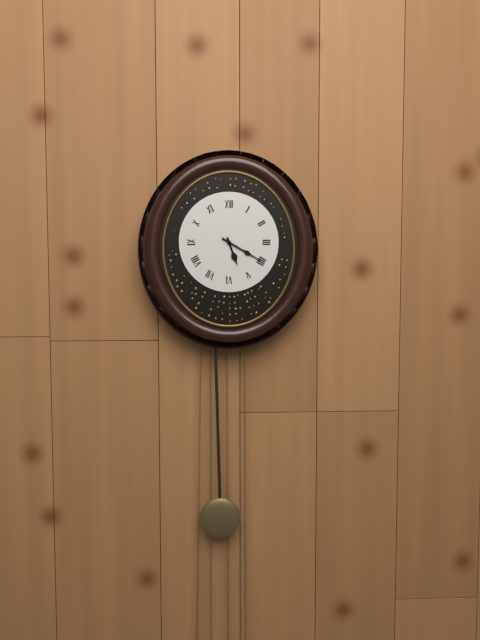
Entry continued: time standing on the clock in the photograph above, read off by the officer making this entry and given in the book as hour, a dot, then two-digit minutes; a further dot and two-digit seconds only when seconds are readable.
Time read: 5.20
